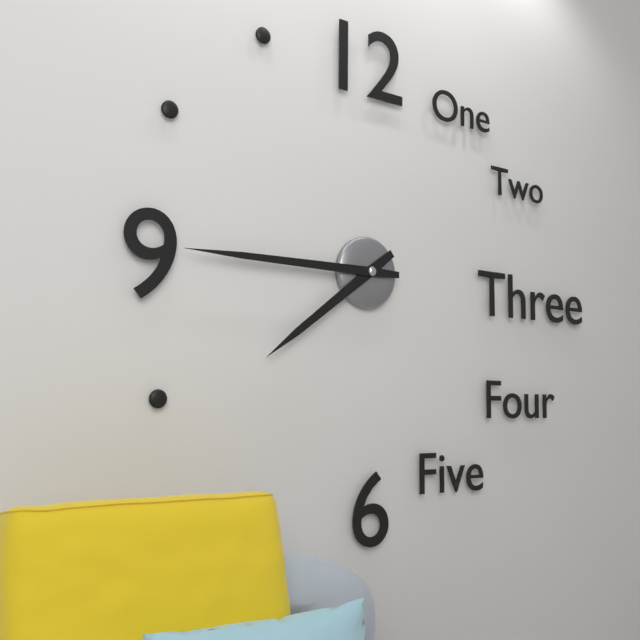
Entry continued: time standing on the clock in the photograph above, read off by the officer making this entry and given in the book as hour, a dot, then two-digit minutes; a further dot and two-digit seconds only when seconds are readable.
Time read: 7.45
